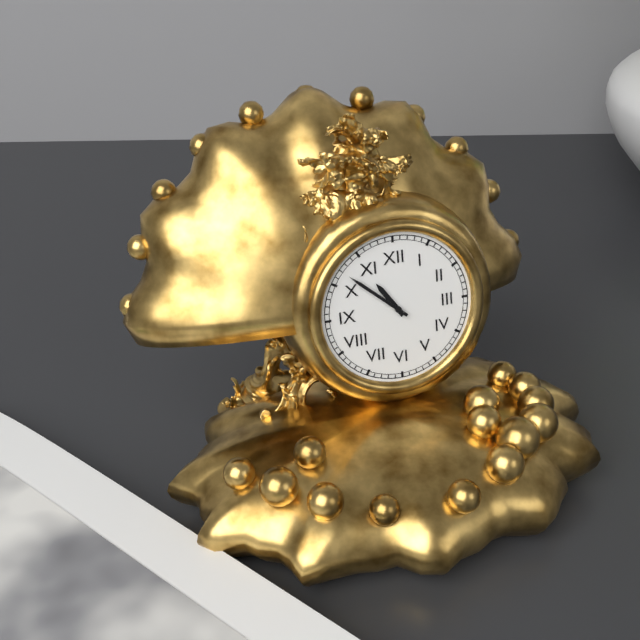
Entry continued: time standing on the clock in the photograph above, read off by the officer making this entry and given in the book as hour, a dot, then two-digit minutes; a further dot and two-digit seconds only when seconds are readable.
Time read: 10.52
